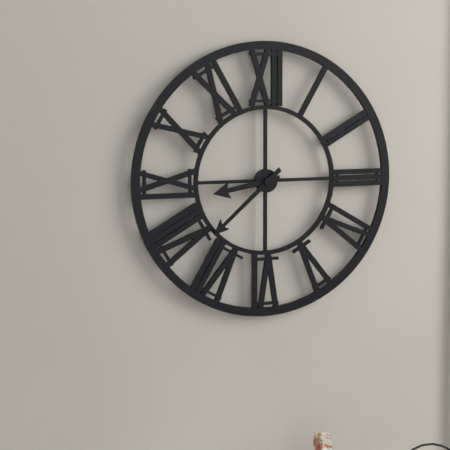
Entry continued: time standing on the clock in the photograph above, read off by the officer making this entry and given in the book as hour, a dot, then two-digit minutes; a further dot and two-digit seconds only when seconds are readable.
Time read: 8.38
